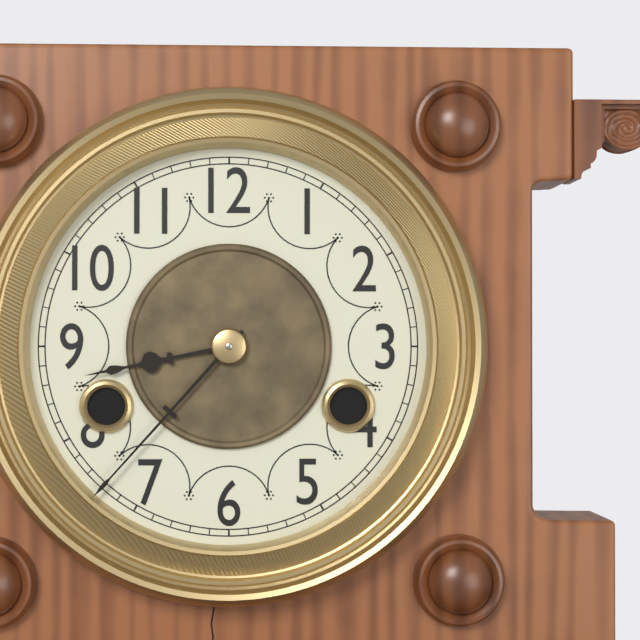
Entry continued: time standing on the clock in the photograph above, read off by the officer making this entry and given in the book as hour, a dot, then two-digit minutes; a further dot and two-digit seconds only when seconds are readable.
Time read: 8.37
